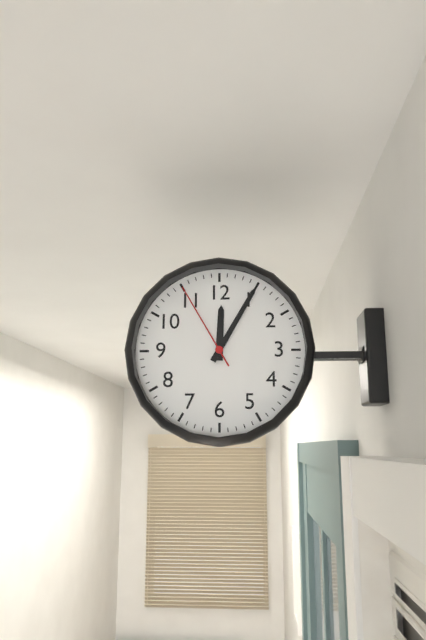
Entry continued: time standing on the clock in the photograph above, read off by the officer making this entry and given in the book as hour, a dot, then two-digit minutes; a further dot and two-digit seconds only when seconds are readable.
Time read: 12.05.55
